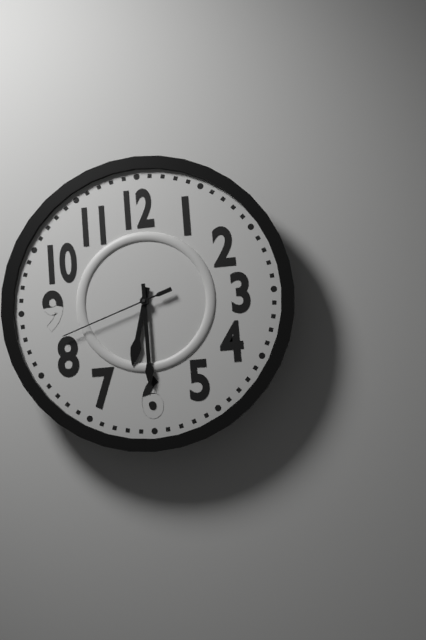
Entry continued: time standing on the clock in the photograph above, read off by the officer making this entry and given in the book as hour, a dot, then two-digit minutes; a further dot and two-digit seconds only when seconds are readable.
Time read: 6.30.42
